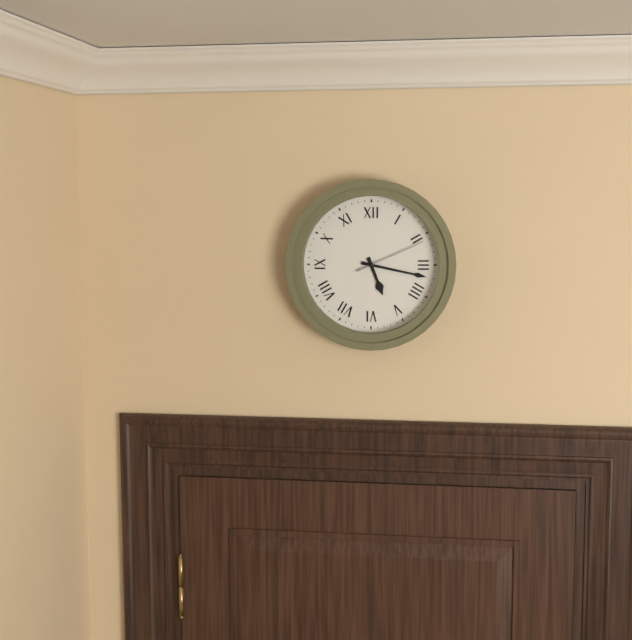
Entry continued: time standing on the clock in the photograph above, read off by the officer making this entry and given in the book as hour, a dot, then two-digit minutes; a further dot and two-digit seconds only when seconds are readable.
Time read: 5.17.11
